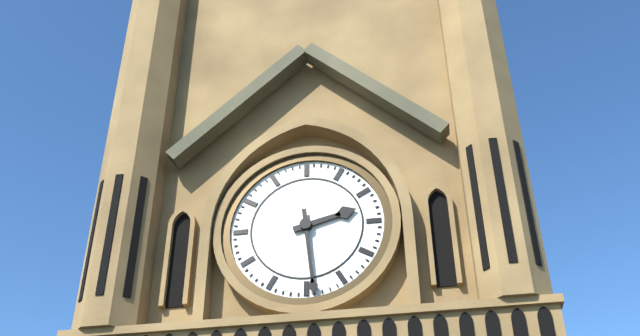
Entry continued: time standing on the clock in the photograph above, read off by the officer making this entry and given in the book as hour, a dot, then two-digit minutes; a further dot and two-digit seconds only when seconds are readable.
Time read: 2.29
